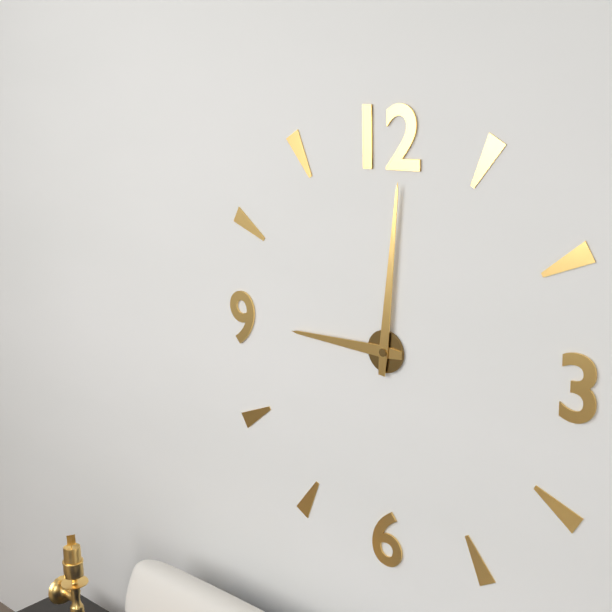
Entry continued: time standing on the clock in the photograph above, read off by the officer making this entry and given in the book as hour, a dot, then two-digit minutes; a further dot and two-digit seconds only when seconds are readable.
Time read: 9.01
